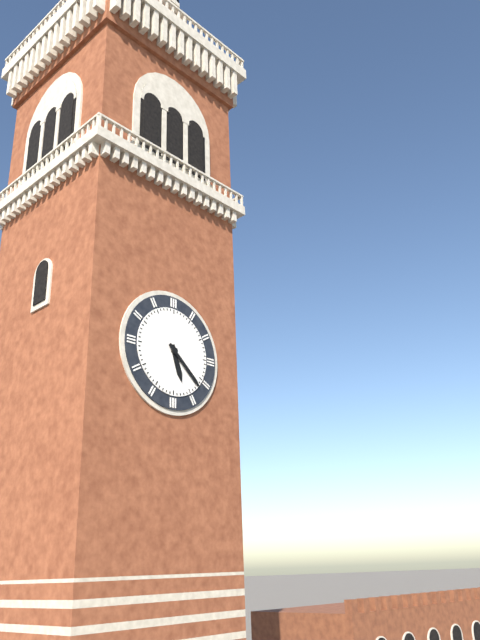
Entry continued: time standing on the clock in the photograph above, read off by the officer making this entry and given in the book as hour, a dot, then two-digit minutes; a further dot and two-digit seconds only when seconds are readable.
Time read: 5.22
